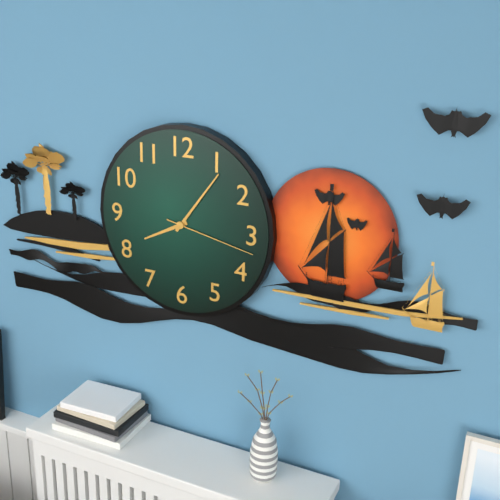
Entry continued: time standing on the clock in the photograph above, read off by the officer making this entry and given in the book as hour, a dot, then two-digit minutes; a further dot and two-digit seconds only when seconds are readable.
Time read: 8.06.17
